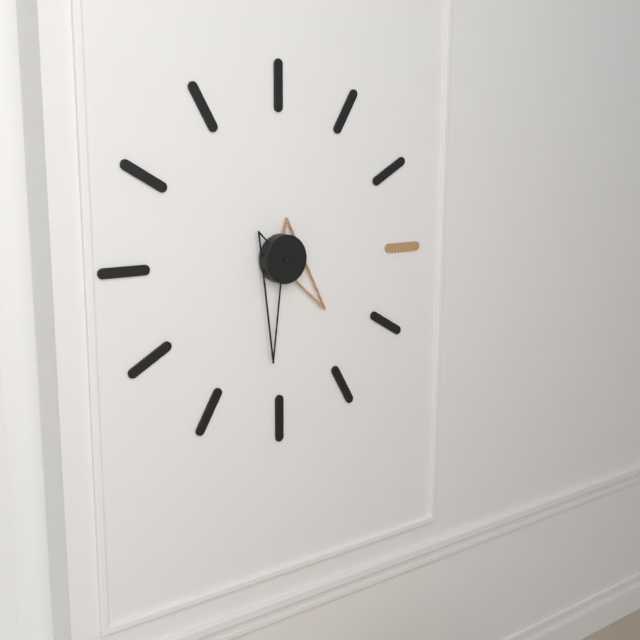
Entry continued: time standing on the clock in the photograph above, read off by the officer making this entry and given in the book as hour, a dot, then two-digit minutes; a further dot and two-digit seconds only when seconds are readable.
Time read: 4.31
